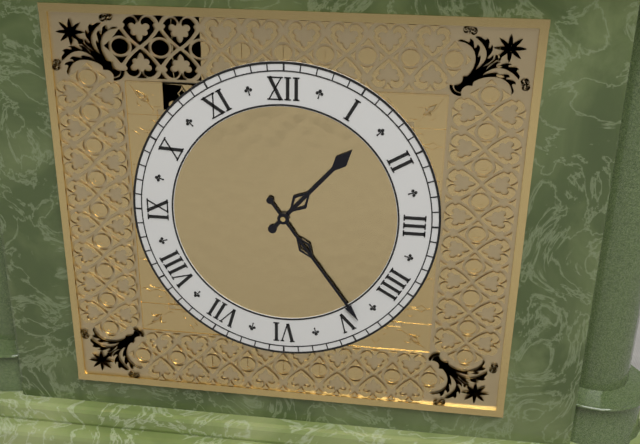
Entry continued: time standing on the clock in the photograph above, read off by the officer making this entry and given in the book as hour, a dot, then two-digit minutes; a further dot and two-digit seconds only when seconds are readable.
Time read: 1.24
